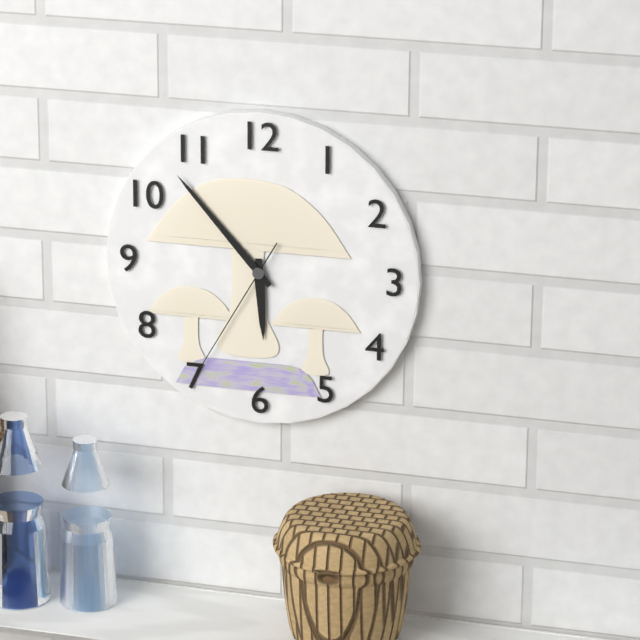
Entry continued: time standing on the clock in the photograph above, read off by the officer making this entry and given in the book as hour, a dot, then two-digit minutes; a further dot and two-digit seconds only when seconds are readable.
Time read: 5.53.35
